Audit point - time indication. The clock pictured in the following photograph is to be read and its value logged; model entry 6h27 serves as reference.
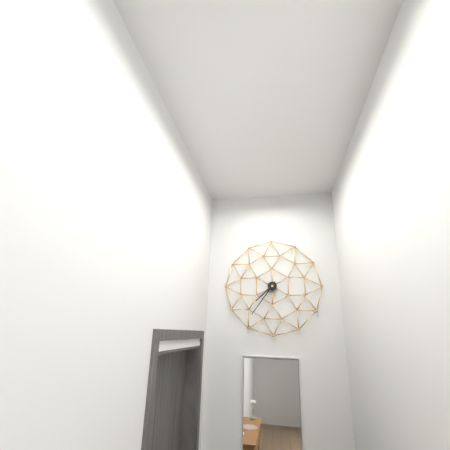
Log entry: 7h36
